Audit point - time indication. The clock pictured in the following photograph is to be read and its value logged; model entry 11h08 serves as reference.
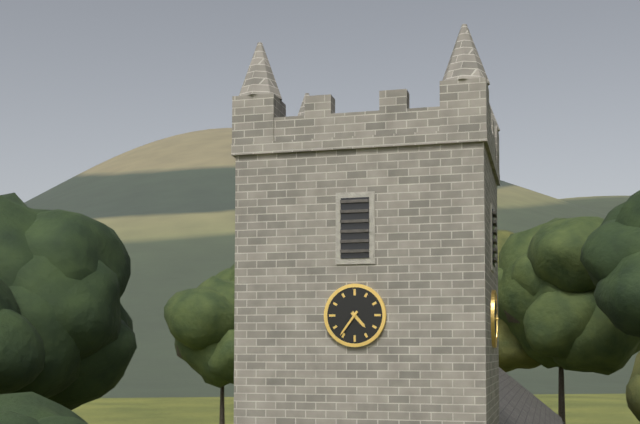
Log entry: 4h36
